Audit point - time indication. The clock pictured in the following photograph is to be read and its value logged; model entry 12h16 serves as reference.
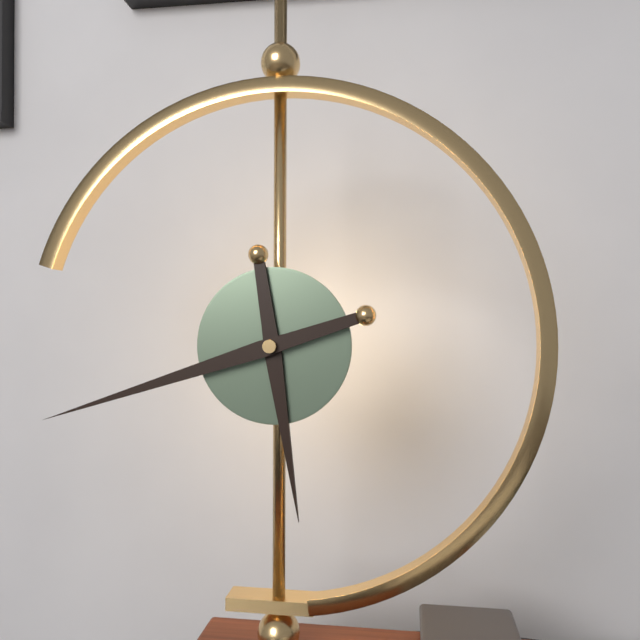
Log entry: 5h42
